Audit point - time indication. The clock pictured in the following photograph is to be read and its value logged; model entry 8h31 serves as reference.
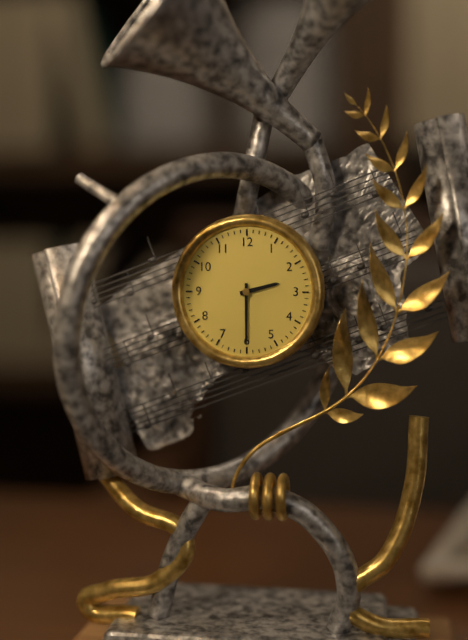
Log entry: 2h30
